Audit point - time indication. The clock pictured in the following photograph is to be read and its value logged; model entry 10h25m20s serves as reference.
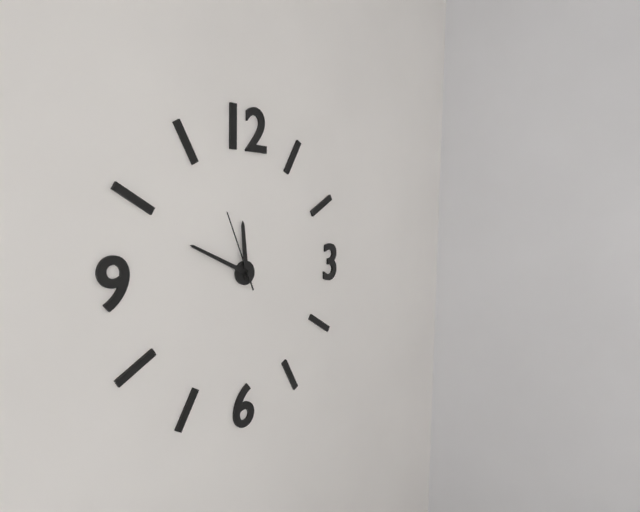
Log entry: 11h49m56s
